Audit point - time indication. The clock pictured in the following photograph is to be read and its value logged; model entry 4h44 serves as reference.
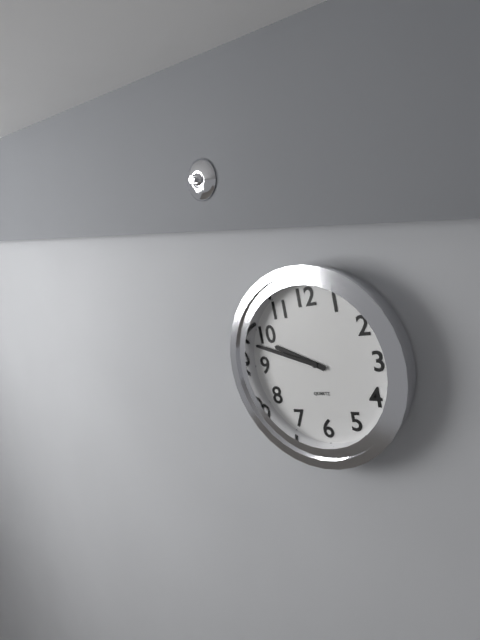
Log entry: 9h48
